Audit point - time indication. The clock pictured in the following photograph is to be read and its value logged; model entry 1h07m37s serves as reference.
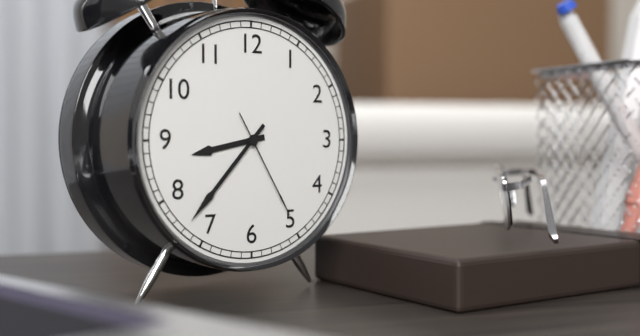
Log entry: 8h37m25s
